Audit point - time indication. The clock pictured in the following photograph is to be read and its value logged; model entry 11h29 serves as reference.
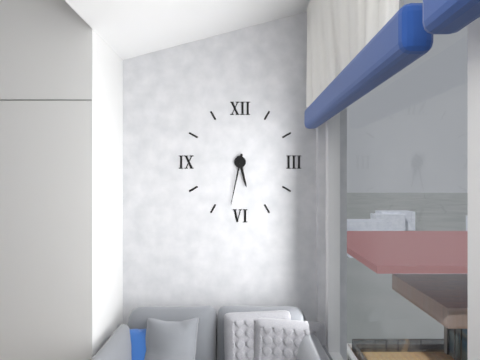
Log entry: 5h32
